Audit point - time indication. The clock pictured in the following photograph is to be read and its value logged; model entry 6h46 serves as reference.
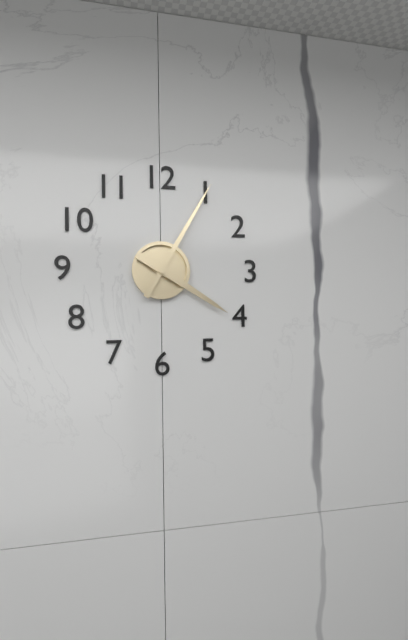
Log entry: 4h05
